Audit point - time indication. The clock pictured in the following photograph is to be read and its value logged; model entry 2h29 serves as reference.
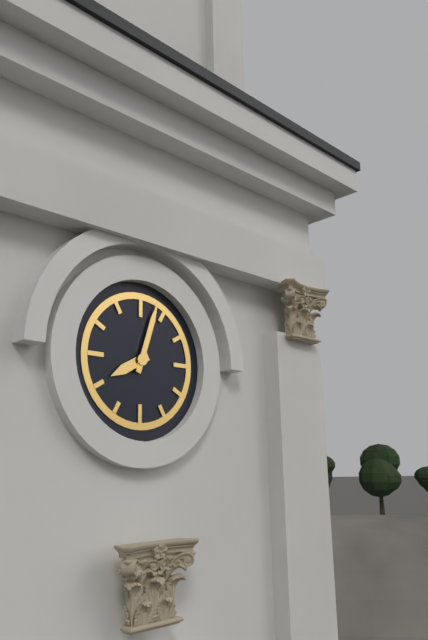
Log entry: 8h03
